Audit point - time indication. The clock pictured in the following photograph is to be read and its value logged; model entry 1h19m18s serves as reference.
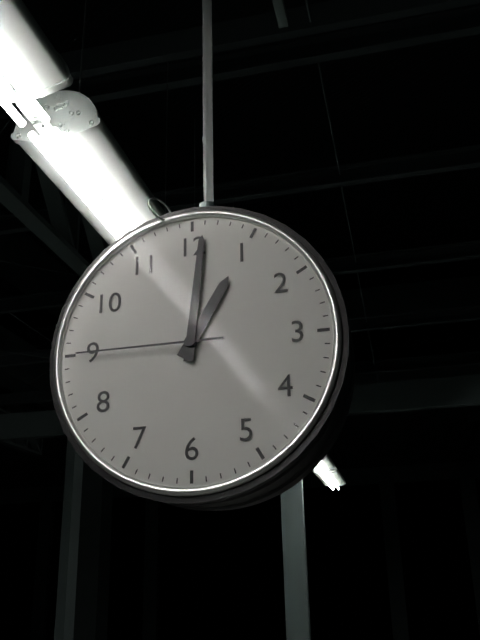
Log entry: 1h01m45s
